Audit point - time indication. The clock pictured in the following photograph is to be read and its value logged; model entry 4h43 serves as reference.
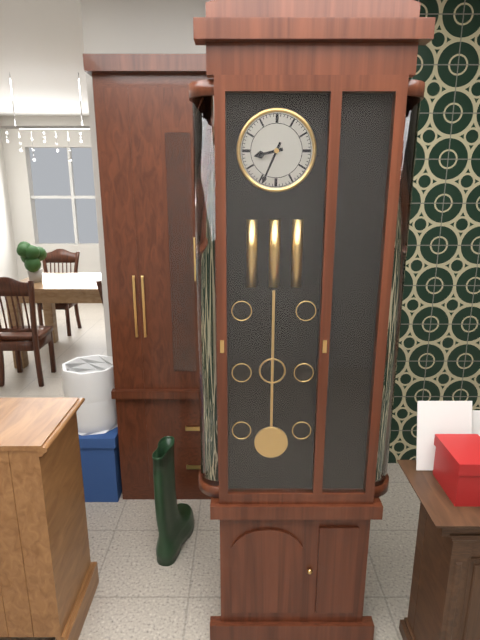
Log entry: 8h34
